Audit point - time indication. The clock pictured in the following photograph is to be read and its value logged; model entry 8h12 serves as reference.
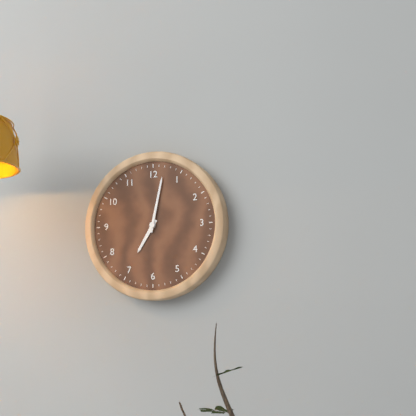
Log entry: 7h02
